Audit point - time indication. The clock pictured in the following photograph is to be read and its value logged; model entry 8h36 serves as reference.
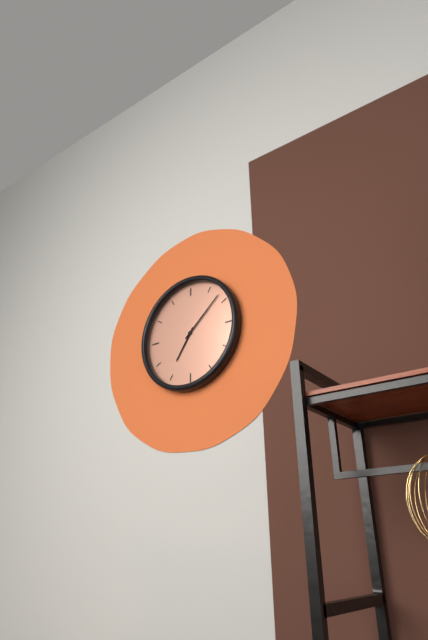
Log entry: 7h08
